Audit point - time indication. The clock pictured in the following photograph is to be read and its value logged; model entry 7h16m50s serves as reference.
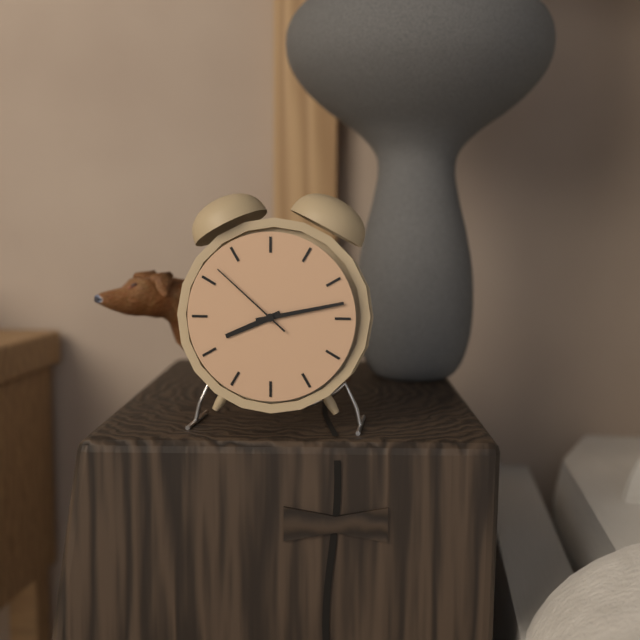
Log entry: 8h13m52s
